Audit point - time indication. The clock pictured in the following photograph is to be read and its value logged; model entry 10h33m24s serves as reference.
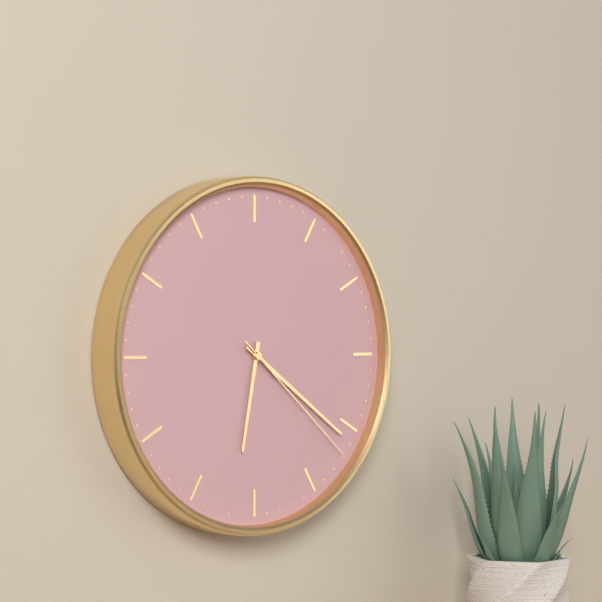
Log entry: 6h21m22s
